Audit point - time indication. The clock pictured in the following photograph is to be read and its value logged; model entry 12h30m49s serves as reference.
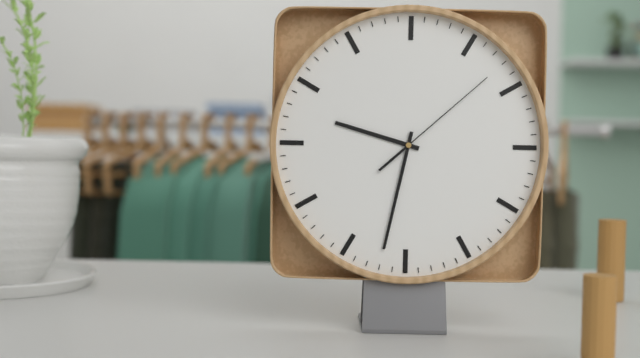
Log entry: 9h32m08s
